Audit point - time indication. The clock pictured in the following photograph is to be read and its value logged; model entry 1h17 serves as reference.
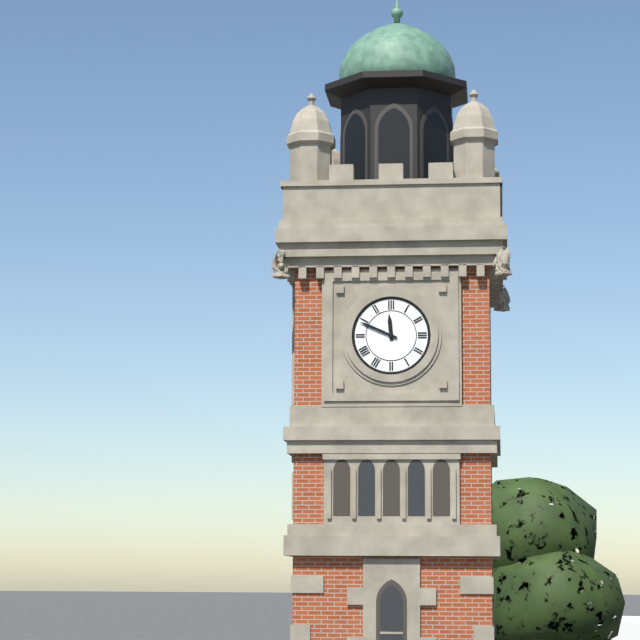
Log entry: 11h49
